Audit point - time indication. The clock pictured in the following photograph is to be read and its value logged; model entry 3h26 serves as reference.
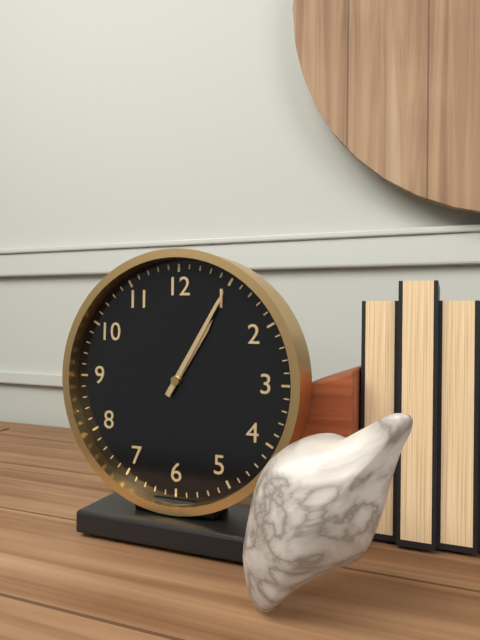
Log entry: 1h05
